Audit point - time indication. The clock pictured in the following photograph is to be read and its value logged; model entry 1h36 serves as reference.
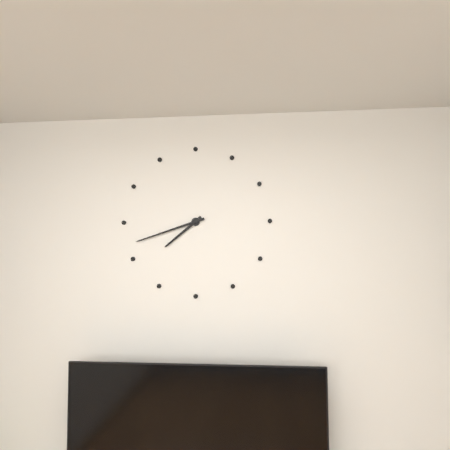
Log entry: 7h42
